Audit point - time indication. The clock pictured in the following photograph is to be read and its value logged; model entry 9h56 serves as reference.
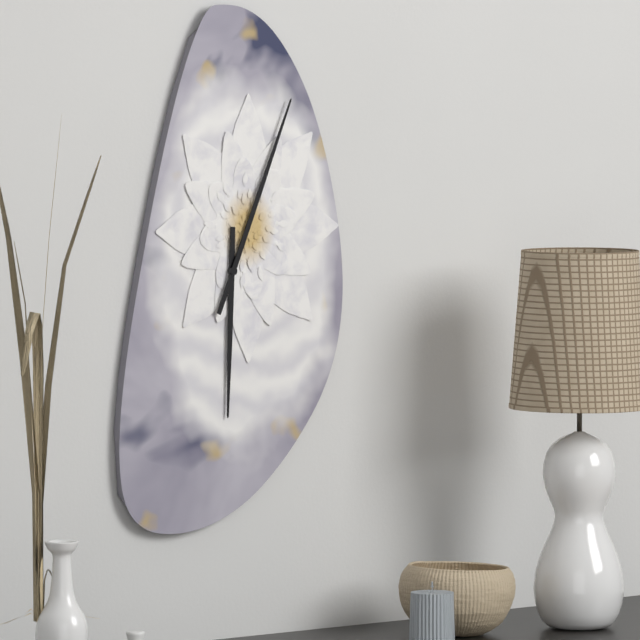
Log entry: 6h04
